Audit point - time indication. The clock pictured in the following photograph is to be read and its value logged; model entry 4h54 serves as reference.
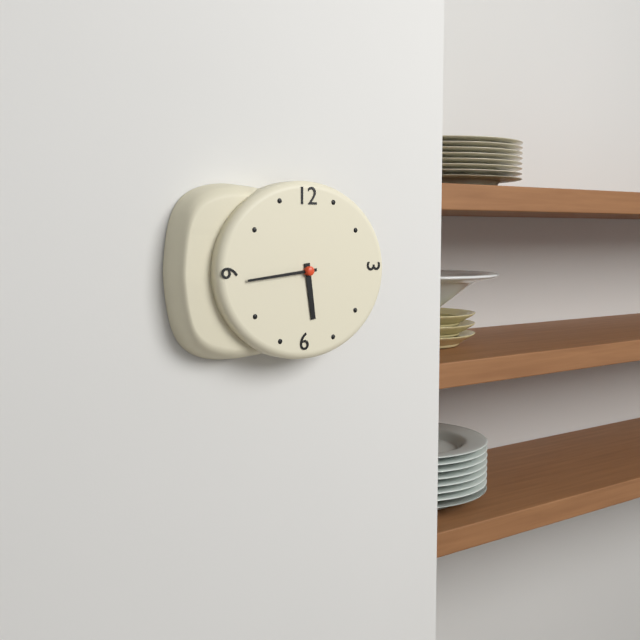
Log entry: 5h44
